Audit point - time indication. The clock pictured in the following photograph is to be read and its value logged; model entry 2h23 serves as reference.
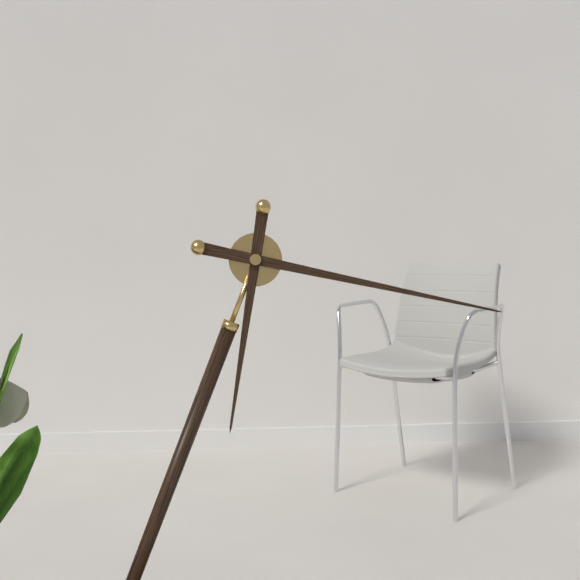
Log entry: 6h17
